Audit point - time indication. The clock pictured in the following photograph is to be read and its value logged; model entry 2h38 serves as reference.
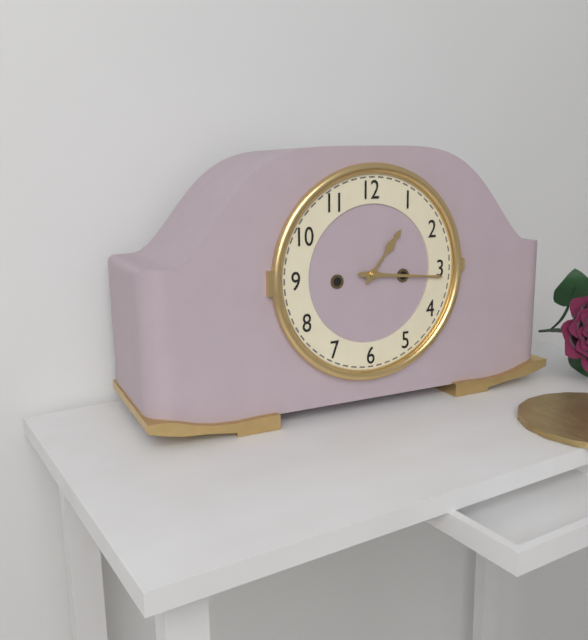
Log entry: 1h16
